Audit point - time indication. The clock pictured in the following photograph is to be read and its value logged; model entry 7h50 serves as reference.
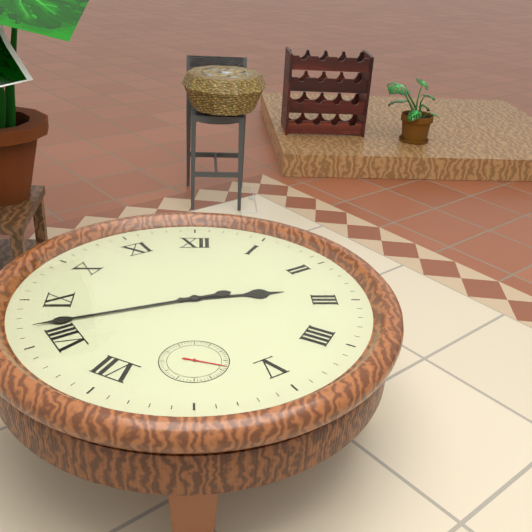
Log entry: 2h42
